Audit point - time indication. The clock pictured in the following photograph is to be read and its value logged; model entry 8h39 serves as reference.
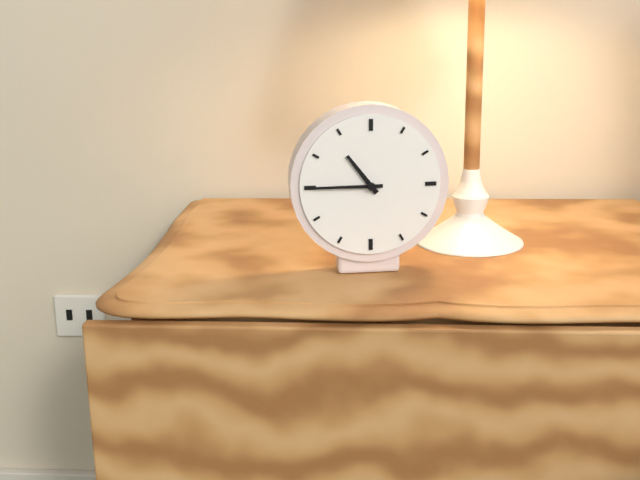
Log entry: 10h45
